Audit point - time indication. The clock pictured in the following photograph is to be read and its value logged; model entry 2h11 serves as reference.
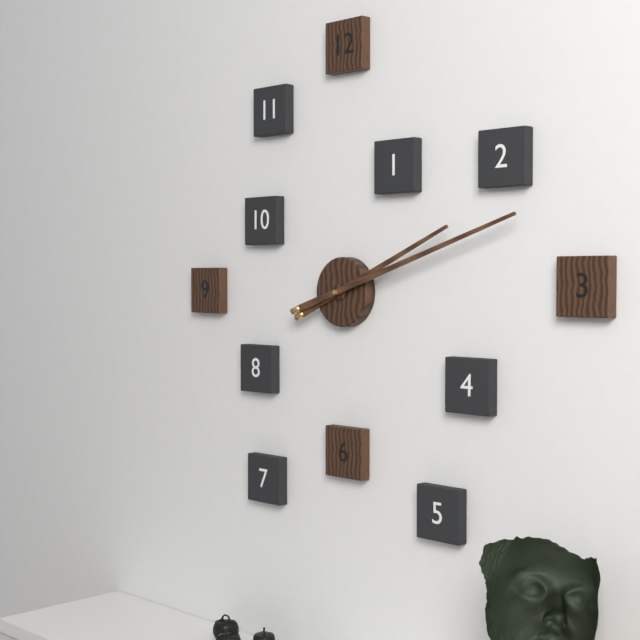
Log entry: 2h12
